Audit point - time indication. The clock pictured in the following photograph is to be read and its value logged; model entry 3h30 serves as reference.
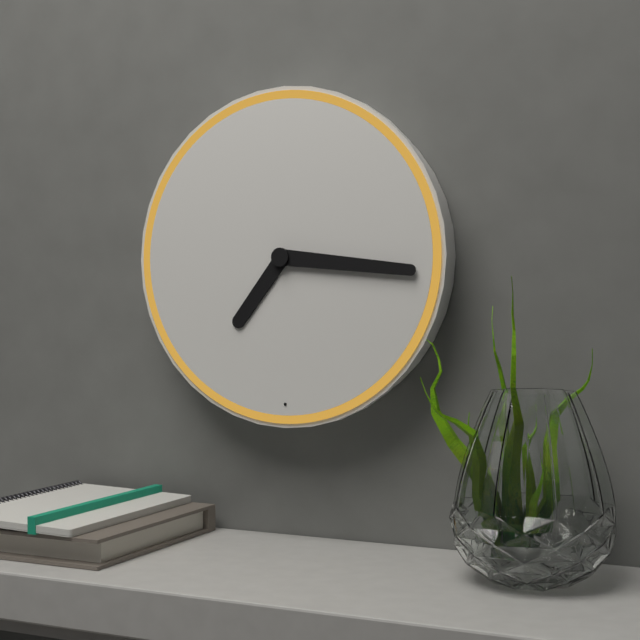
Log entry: 7h16
